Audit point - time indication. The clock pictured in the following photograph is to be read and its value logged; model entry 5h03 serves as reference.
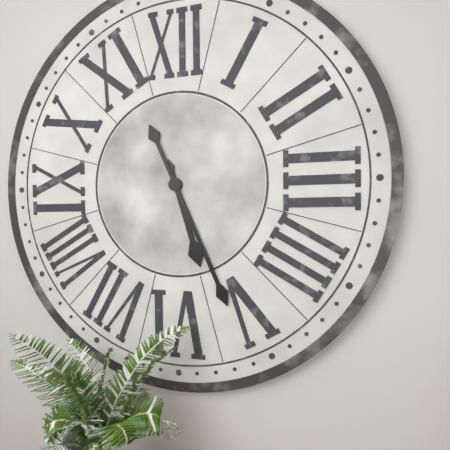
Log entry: 5h26
